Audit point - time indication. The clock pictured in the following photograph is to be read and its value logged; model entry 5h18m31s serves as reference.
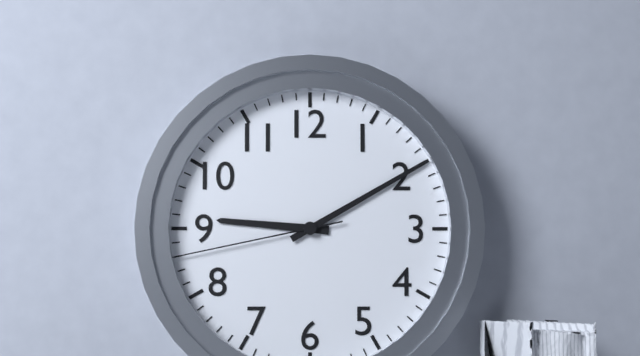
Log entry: 9h10m43s
